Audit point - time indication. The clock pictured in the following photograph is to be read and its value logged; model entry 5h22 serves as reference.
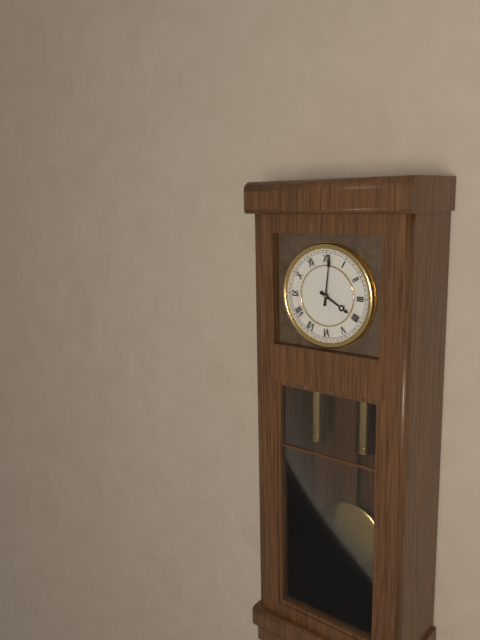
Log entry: 4h01
